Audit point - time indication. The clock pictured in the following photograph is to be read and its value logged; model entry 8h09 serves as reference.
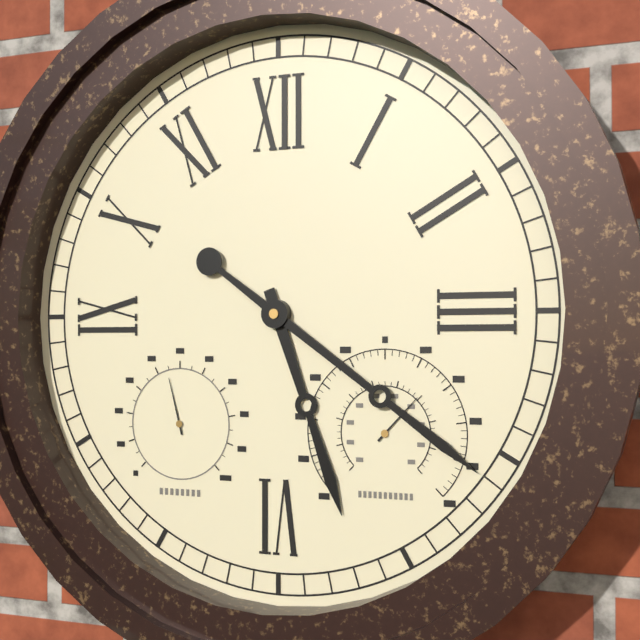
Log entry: 5h21
